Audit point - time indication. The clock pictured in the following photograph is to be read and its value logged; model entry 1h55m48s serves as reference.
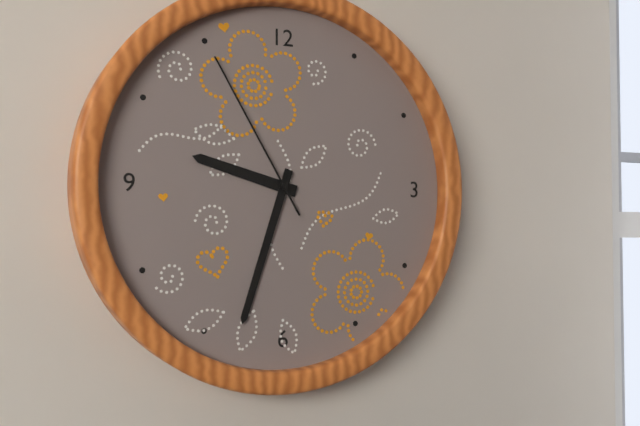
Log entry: 9h33m55s
